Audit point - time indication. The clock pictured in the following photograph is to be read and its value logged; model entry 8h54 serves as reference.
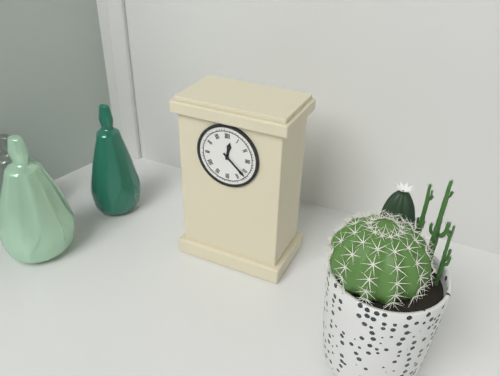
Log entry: 12h22
